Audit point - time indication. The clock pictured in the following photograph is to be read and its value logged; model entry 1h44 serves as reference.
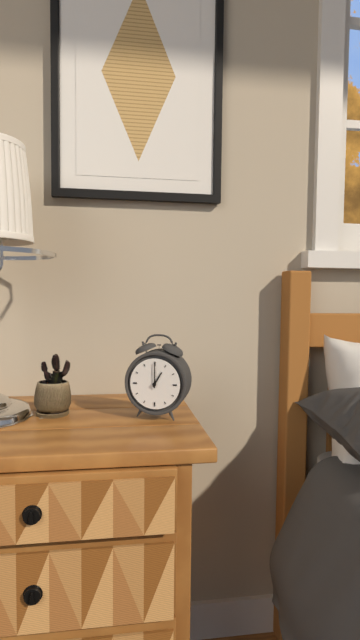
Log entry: 1h00
